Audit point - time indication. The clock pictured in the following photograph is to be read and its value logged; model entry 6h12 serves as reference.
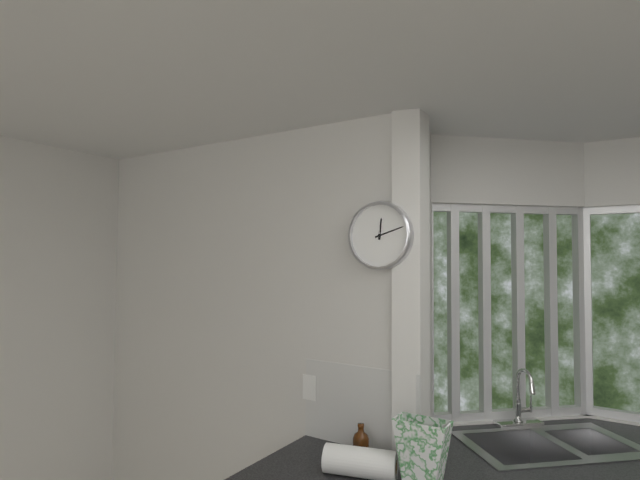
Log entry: 12h12
